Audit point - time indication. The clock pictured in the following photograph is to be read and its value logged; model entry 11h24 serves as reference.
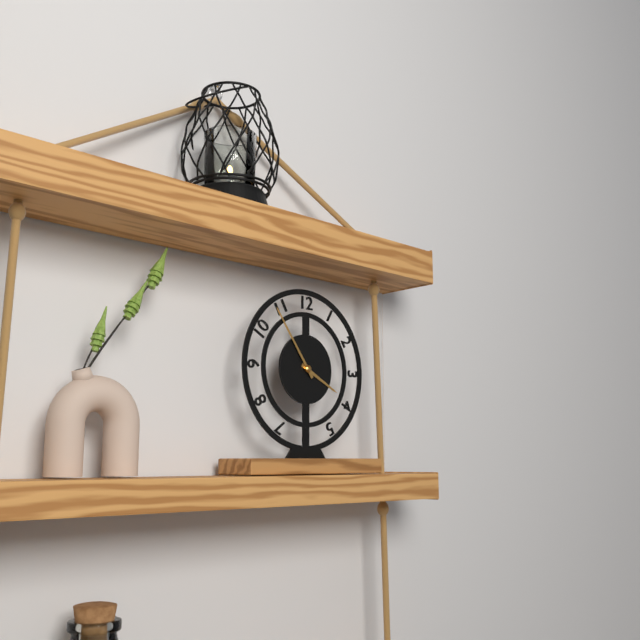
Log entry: 3h54
